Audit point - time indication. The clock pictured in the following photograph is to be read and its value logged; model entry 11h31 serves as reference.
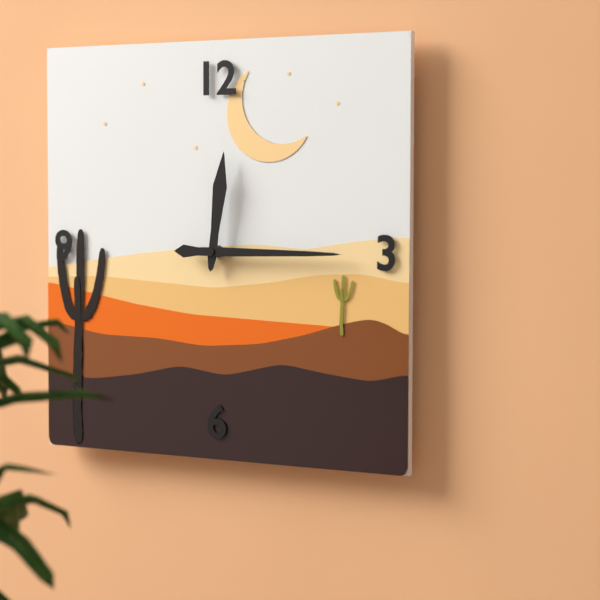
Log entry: 12h15
